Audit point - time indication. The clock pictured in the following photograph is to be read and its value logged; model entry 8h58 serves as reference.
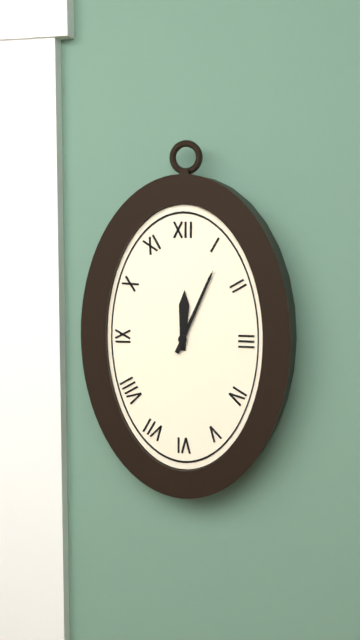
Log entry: 12h04
